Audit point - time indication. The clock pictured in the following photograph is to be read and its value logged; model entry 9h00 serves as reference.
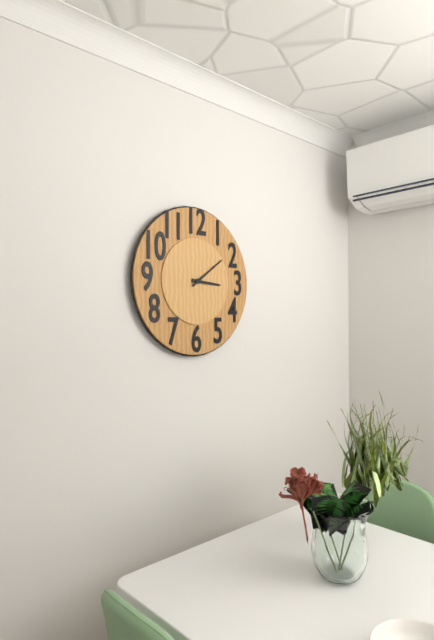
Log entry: 3h09
